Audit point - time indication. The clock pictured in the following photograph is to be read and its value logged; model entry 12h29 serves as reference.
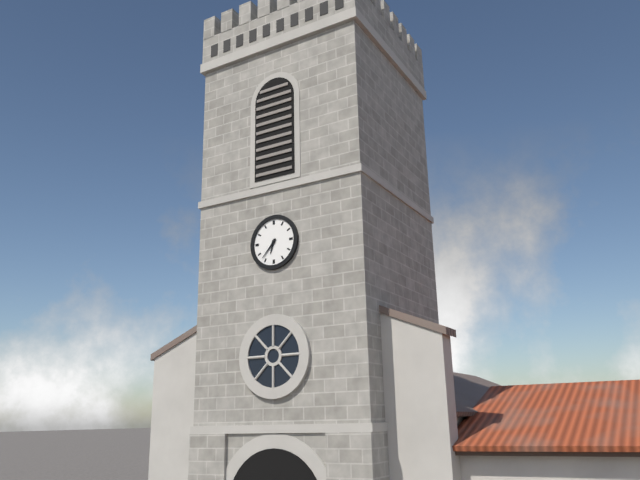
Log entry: 6h37
